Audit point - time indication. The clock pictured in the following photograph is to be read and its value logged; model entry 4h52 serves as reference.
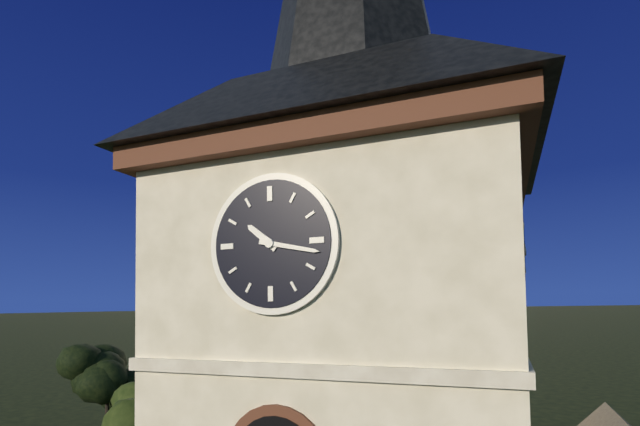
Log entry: 10h17
